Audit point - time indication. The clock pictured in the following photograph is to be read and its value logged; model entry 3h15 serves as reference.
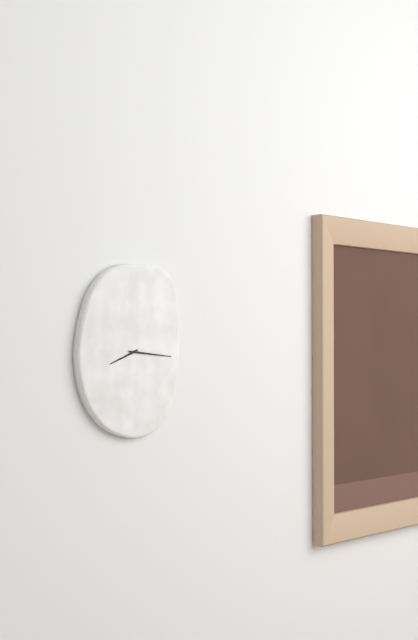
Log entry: 8h16
